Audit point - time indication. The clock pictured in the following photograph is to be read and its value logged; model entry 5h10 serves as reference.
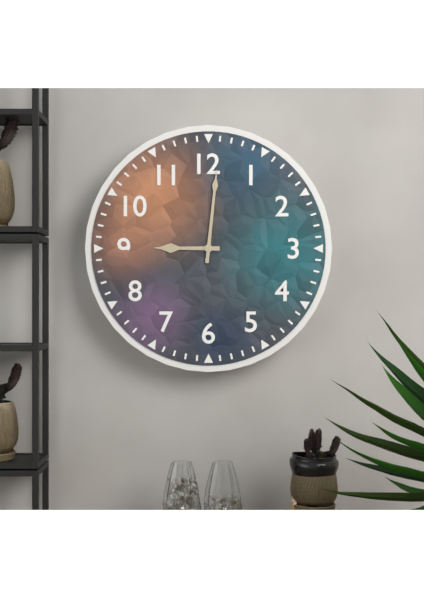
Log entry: 9h01
